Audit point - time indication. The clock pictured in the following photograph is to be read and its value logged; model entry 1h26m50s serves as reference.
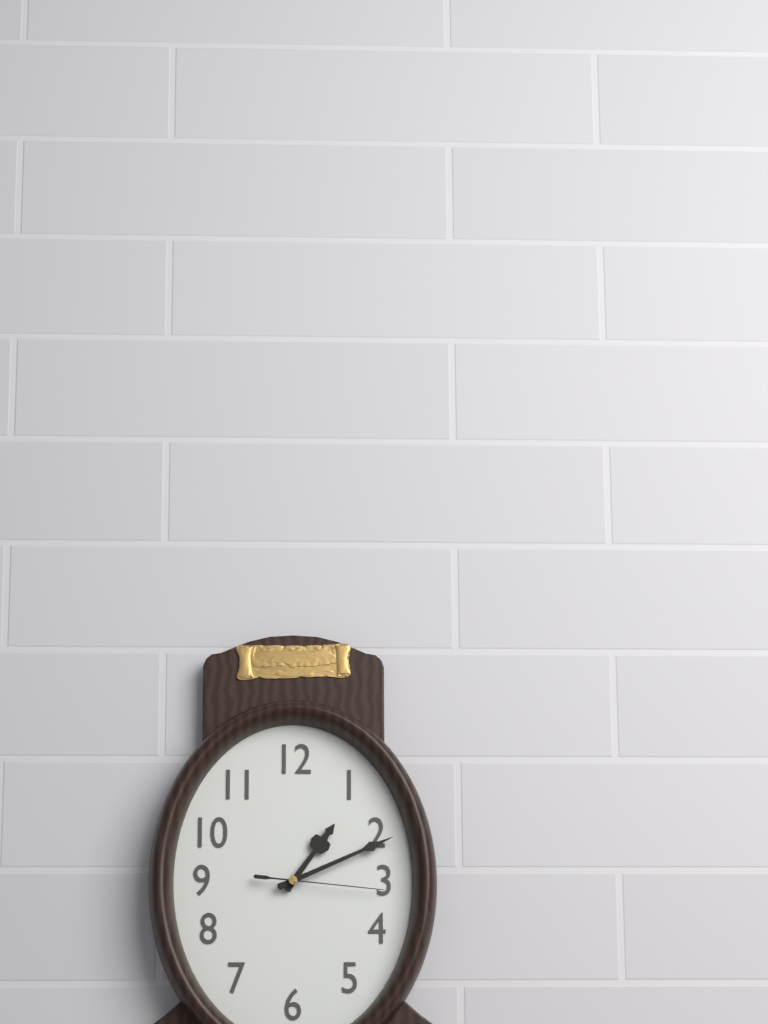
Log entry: 1h11m16s
